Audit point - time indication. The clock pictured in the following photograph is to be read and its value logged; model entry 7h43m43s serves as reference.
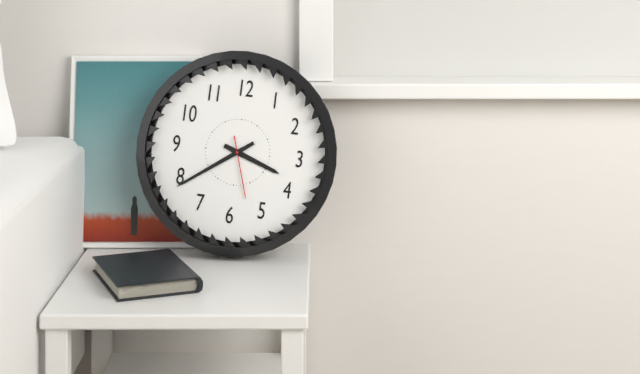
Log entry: 3h39m27s
